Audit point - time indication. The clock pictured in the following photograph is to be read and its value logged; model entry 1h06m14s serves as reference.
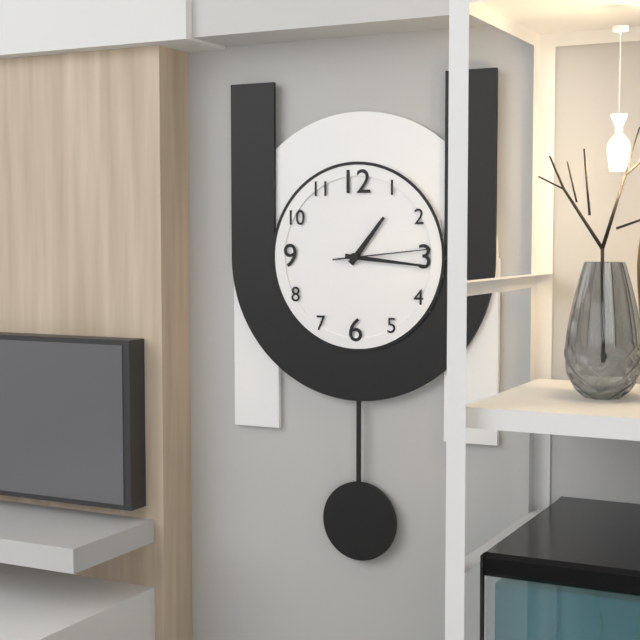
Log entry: 1h16m14s
